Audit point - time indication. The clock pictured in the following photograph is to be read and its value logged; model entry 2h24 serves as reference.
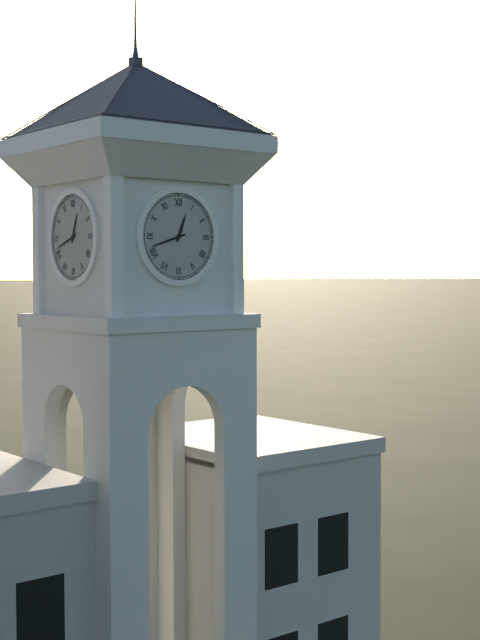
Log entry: 12h42
